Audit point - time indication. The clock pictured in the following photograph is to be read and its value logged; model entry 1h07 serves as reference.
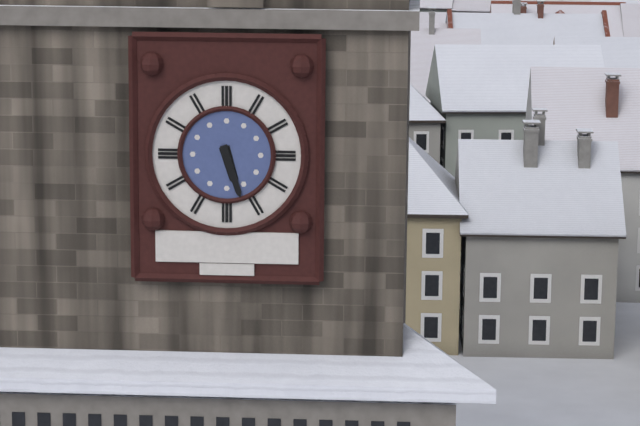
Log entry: 5h27
